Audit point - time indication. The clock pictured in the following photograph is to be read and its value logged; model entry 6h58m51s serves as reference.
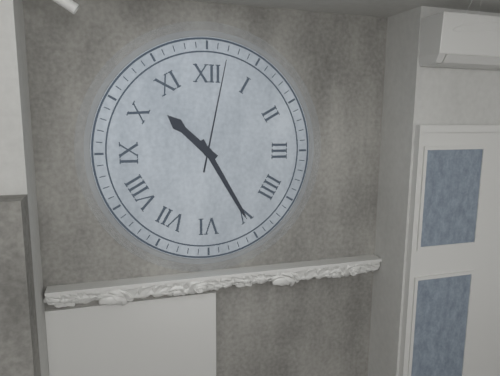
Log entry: 10h25m02s
